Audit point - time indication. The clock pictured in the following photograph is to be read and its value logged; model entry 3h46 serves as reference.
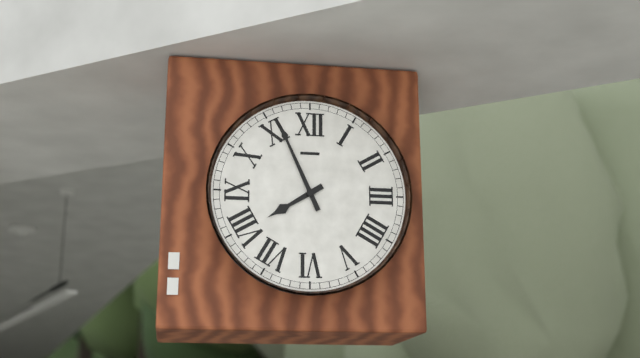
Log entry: 7h56
